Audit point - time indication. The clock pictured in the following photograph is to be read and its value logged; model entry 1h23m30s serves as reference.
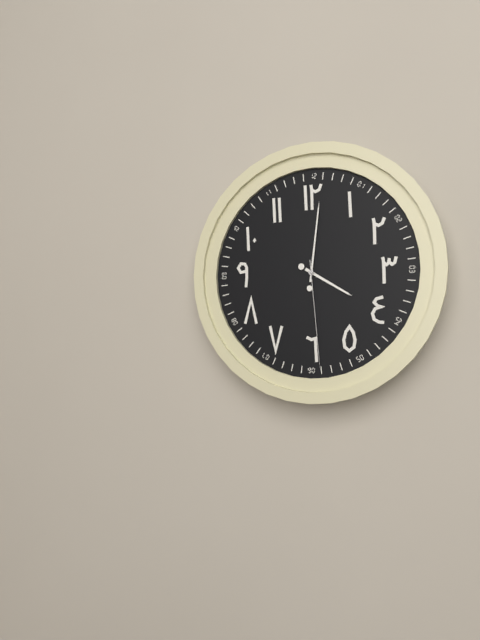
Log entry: 4h01m29s
